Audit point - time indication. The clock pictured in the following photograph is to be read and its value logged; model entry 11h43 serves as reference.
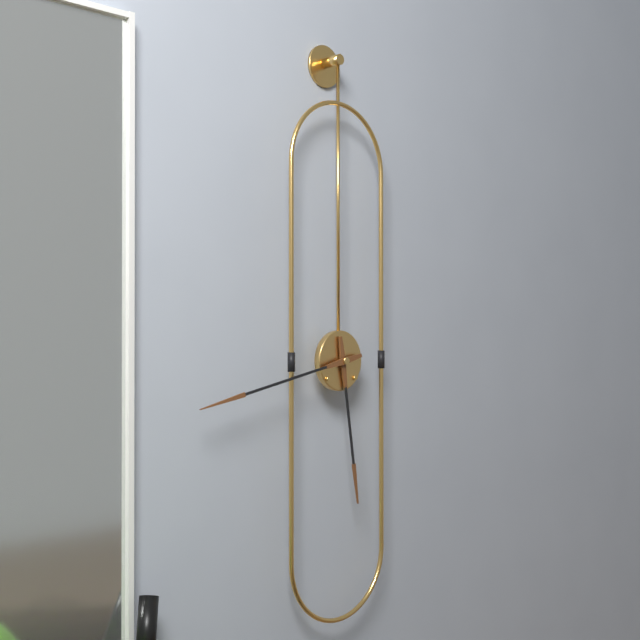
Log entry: 5h43
